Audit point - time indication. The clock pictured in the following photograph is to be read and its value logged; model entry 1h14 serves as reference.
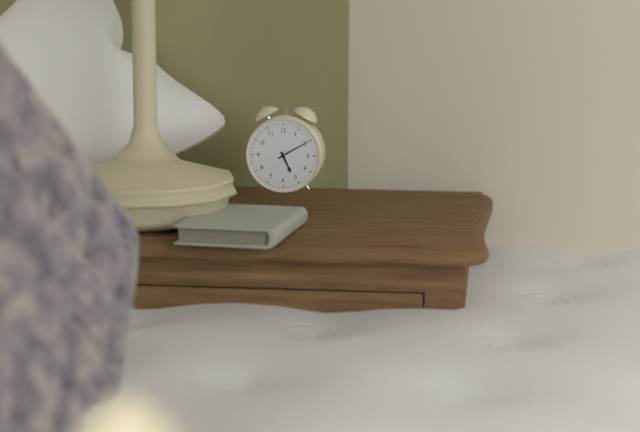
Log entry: 5h10
